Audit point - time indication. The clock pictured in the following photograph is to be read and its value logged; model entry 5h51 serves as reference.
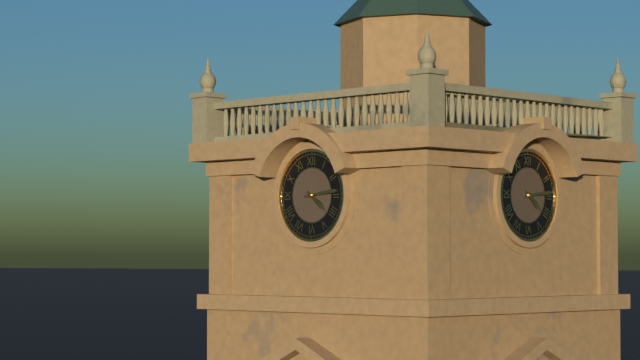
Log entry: 4h14
